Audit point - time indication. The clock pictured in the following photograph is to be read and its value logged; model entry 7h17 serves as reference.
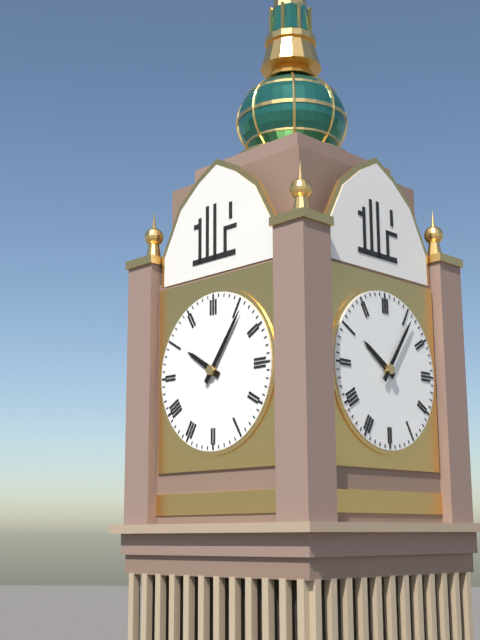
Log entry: 10h06
